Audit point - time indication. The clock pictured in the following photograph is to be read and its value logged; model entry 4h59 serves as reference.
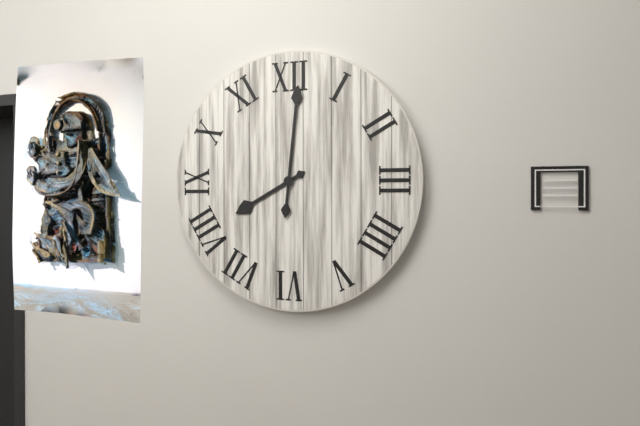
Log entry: 8h01
